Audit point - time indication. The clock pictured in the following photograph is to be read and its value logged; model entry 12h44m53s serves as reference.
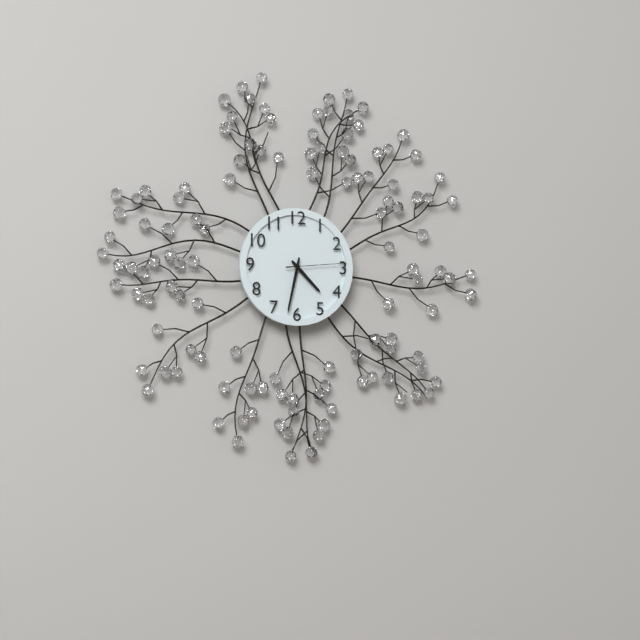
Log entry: 4h32m14s
